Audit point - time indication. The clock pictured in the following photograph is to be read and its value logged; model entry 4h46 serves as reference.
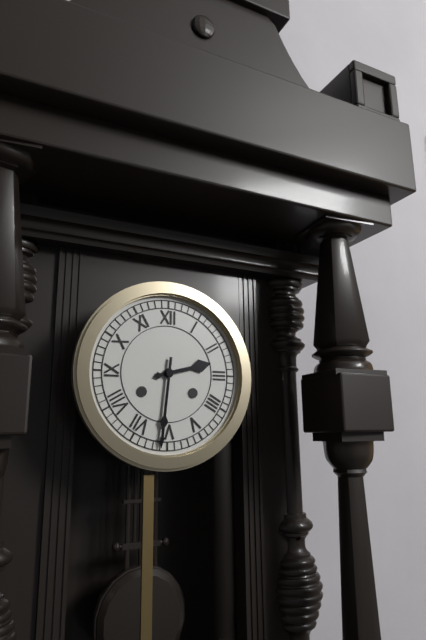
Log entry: 2h31
